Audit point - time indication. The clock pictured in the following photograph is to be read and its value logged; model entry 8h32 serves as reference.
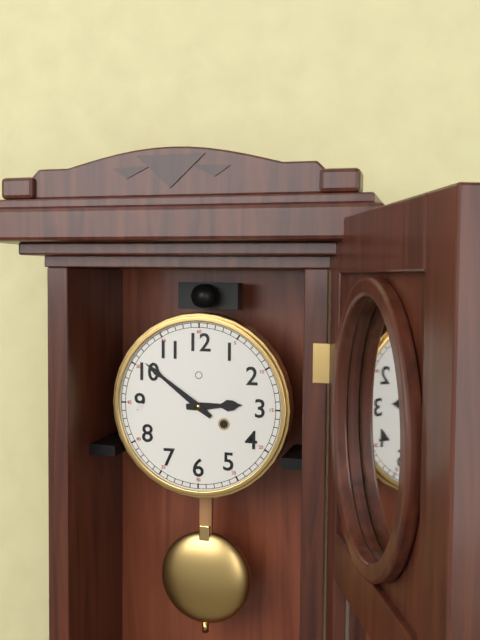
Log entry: 2h51
